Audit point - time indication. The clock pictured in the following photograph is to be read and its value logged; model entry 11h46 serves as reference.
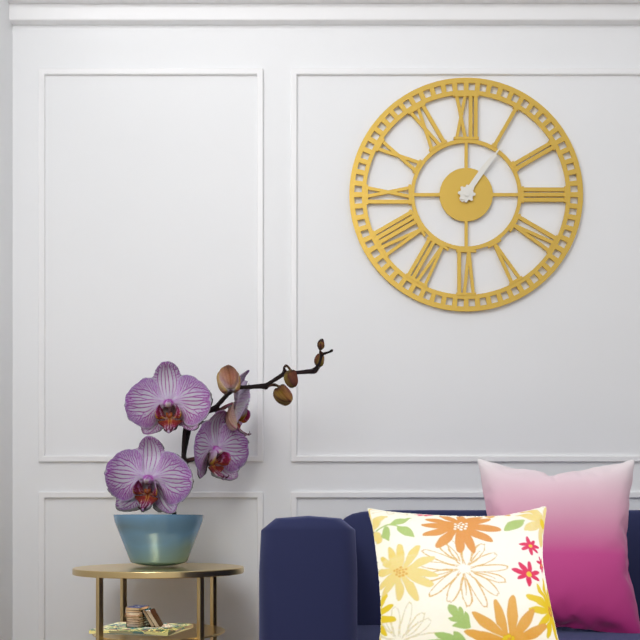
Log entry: 1h06
